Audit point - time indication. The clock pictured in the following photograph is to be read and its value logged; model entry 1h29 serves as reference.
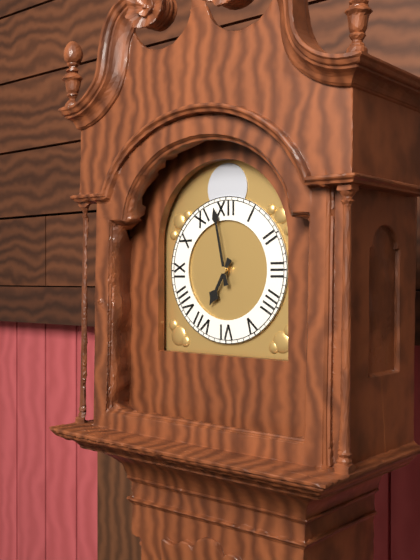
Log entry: 6h58
